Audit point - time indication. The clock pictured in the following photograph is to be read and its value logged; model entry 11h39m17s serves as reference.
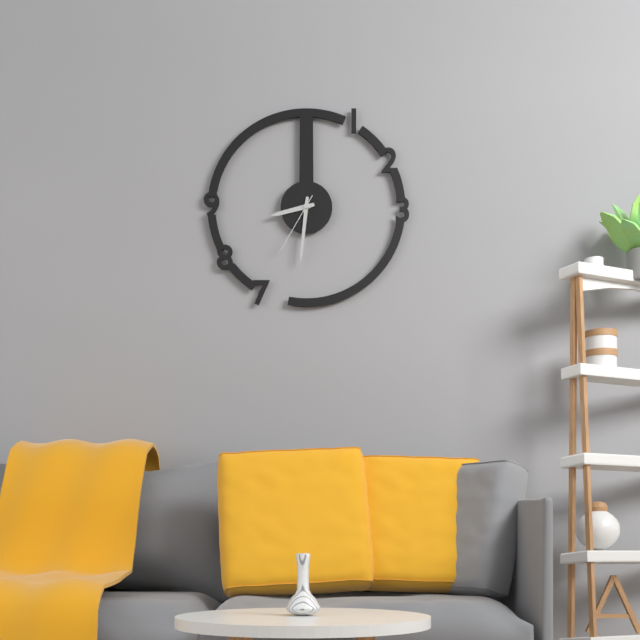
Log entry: 8h31m35s
